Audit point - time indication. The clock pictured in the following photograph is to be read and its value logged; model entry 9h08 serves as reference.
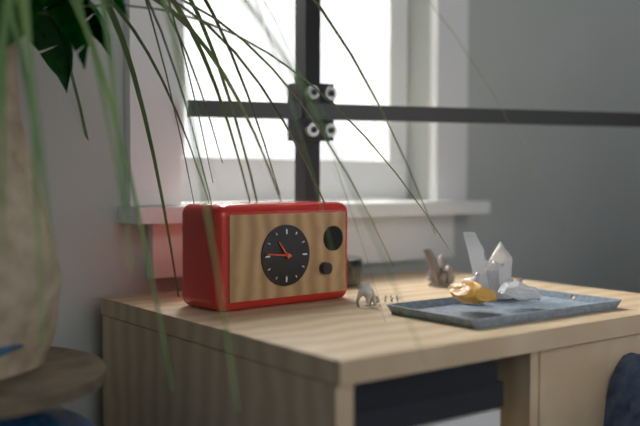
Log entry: 10h46
